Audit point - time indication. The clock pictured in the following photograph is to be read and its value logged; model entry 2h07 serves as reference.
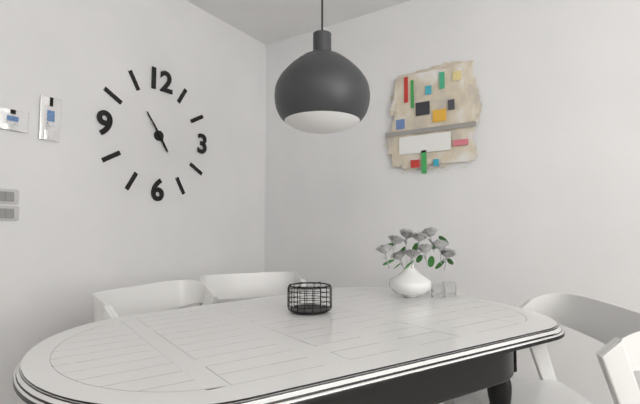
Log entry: 4h54
